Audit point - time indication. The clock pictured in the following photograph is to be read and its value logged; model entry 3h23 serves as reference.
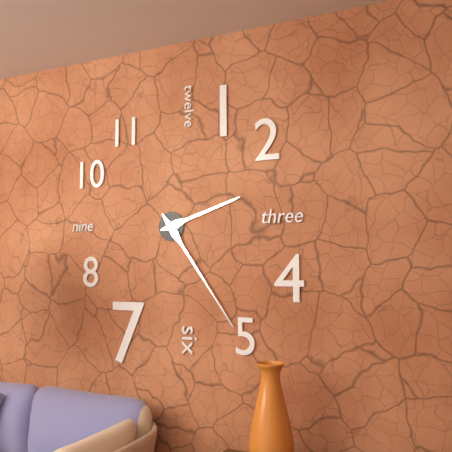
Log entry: 2h24
